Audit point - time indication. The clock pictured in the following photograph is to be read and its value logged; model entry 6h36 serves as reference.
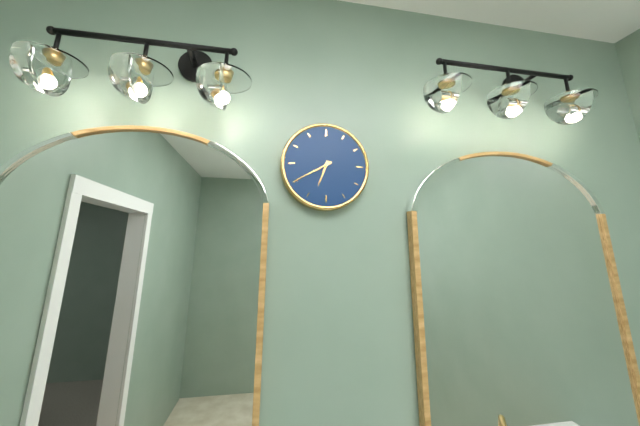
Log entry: 6h40
